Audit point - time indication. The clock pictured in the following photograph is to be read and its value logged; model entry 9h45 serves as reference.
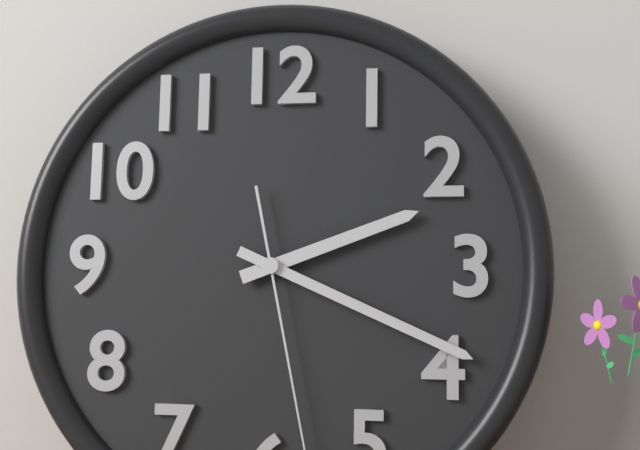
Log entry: 2h19
